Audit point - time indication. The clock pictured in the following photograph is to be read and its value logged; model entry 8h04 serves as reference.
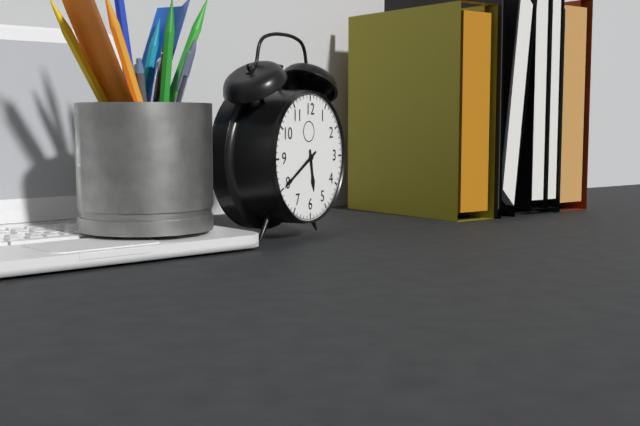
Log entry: 5h40
